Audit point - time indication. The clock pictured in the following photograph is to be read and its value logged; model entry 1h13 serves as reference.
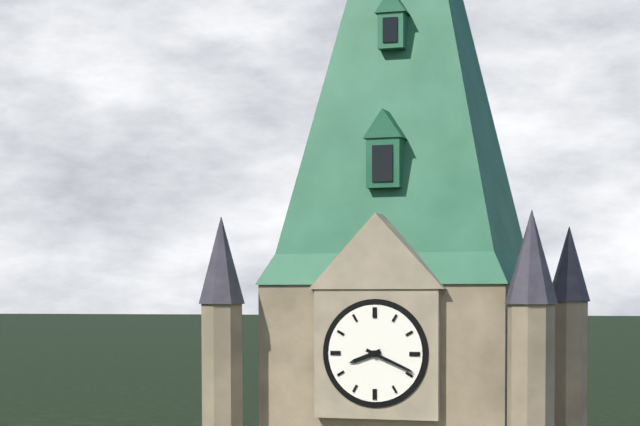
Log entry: 8h19
